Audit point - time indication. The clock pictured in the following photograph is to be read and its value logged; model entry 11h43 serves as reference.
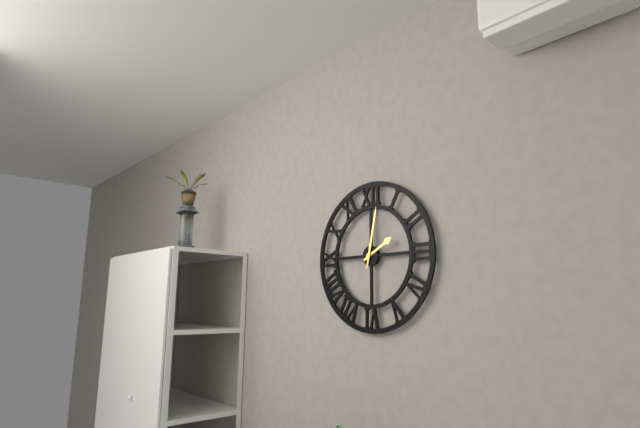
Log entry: 2h02
